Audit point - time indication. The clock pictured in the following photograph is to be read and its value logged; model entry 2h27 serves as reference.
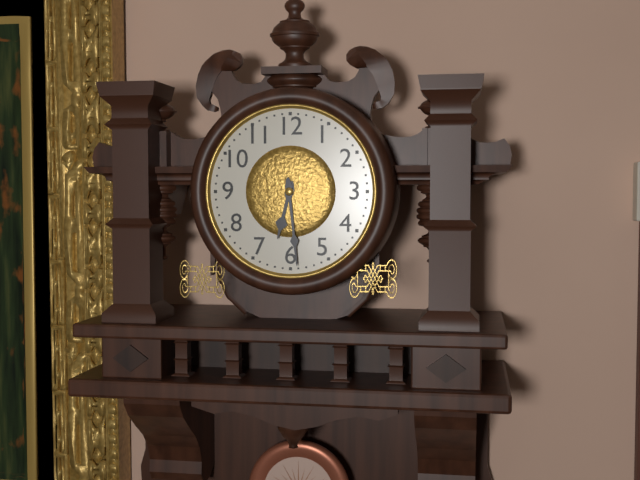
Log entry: 6h29
